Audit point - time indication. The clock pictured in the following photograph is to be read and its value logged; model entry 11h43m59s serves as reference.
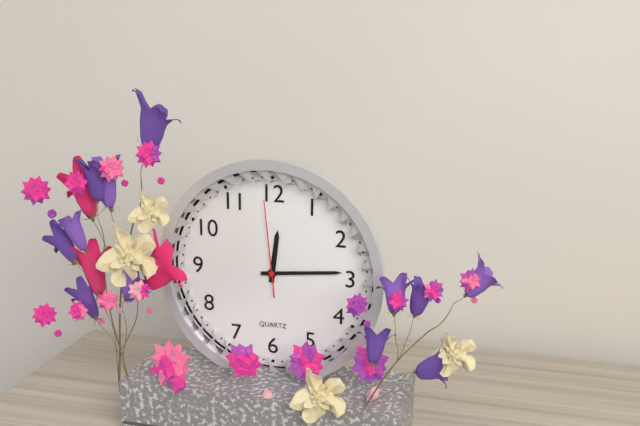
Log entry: 12h14m59s
